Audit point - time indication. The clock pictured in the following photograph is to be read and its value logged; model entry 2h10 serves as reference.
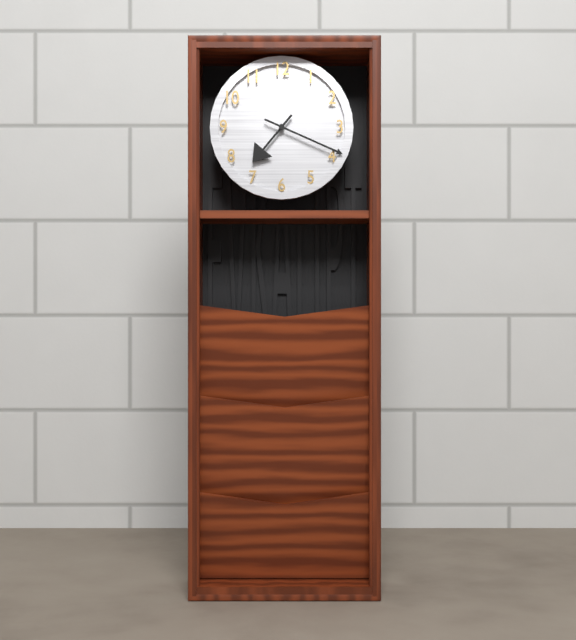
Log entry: 7h19
